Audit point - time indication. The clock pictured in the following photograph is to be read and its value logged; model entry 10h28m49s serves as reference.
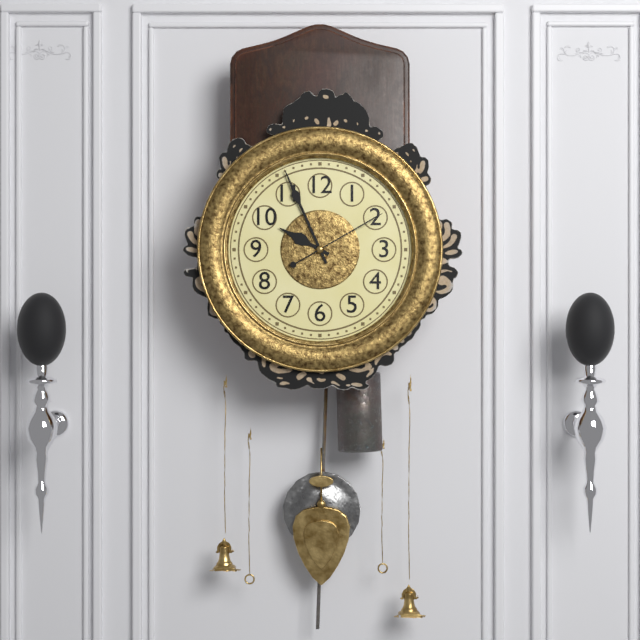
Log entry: 9h56m10s
